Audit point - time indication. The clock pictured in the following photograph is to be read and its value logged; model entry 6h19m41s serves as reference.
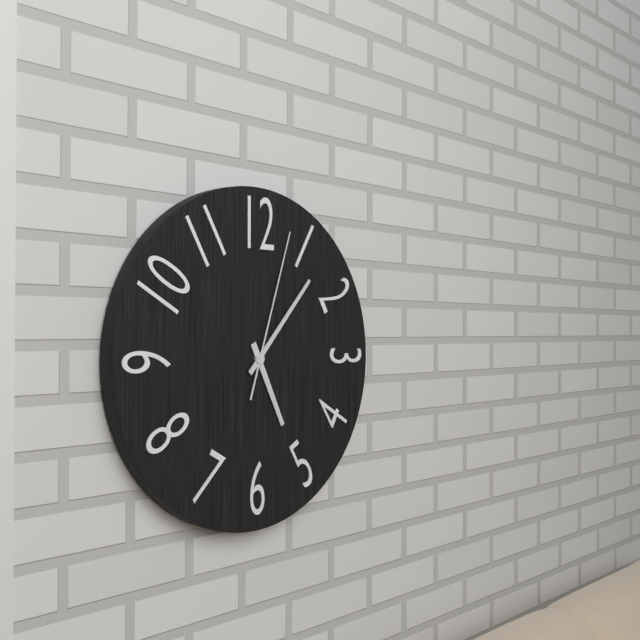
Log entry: 5h07m03s
